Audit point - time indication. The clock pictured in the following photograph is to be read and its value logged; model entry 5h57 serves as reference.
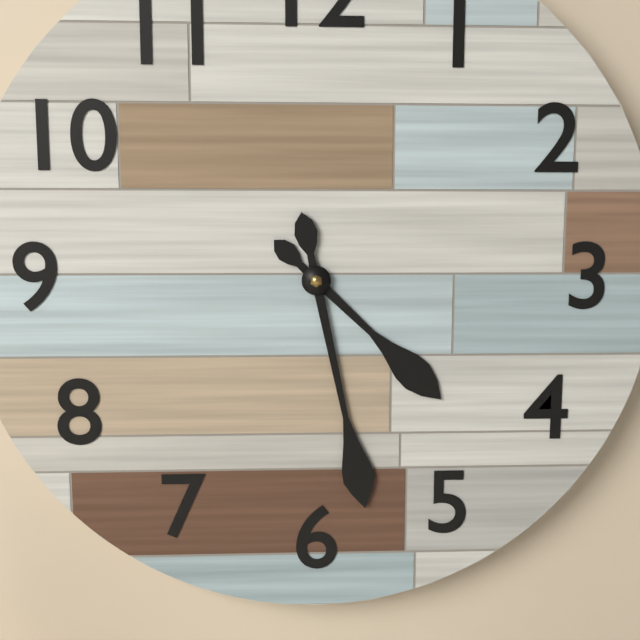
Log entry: 4h28
